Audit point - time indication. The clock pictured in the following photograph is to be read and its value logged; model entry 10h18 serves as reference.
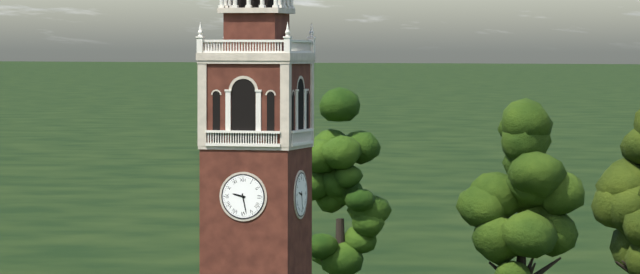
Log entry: 9h28
